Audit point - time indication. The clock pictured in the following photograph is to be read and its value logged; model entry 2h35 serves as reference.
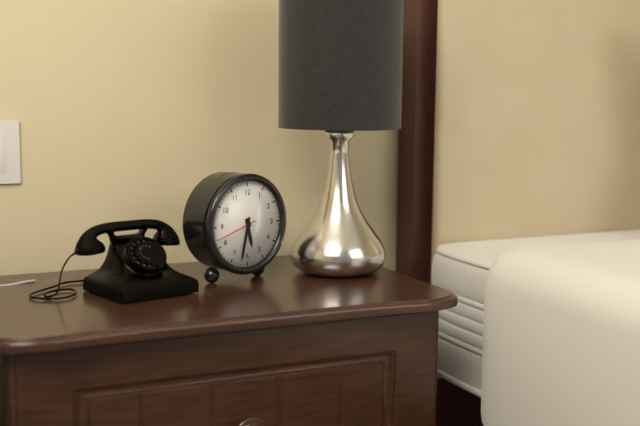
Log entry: 5h32
